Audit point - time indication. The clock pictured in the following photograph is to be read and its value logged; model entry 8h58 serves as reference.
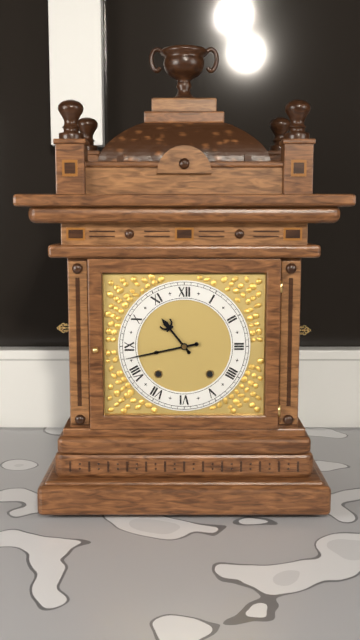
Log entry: 10h43
